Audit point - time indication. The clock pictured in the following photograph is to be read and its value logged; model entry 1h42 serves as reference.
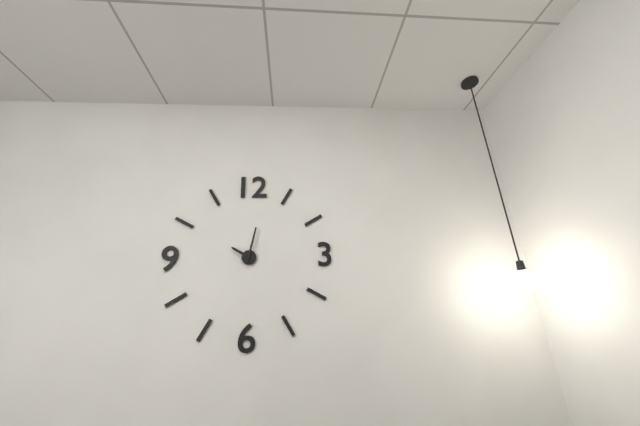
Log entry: 10h02
